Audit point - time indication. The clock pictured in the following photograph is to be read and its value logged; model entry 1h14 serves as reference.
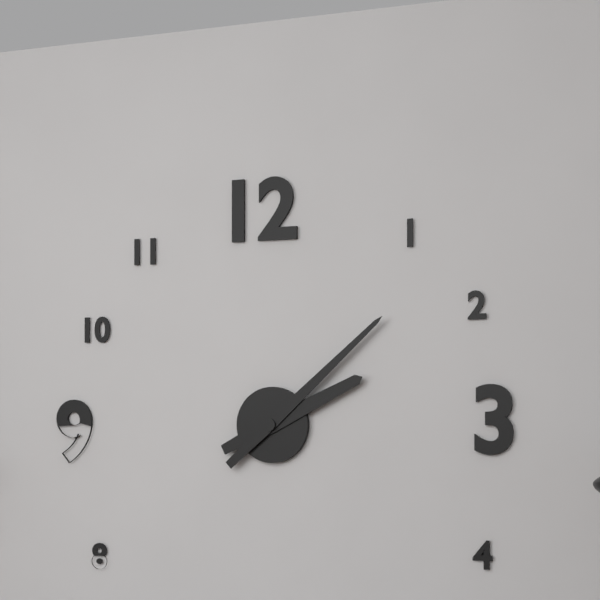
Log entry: 2h08
